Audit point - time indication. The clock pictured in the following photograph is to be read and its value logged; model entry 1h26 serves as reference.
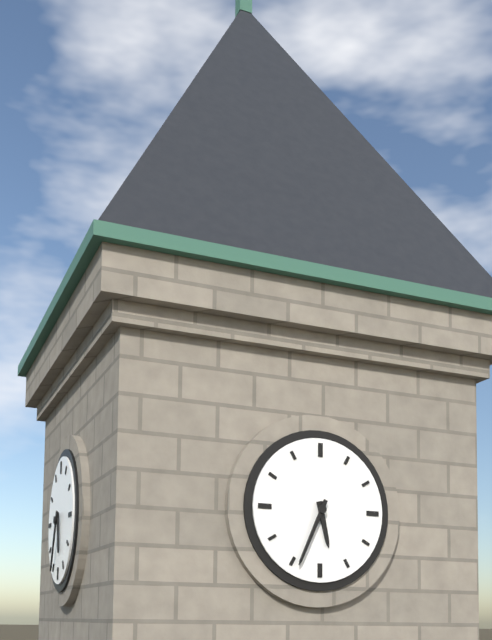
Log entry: 5h34
